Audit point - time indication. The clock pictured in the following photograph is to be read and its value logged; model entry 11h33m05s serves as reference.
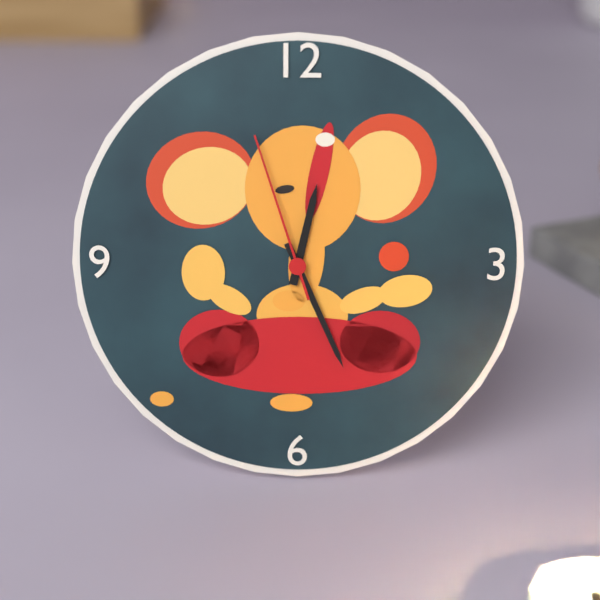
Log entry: 12h26m57s
